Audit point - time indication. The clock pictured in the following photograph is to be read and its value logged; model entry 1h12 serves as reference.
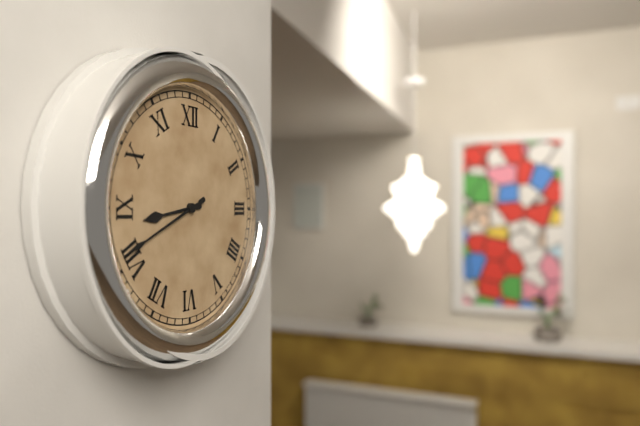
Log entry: 8h41
